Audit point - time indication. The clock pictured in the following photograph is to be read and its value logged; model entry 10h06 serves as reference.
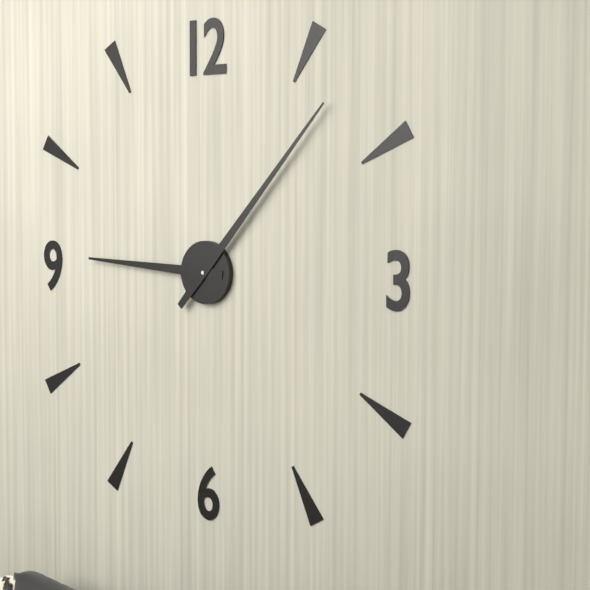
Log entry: 9h07
